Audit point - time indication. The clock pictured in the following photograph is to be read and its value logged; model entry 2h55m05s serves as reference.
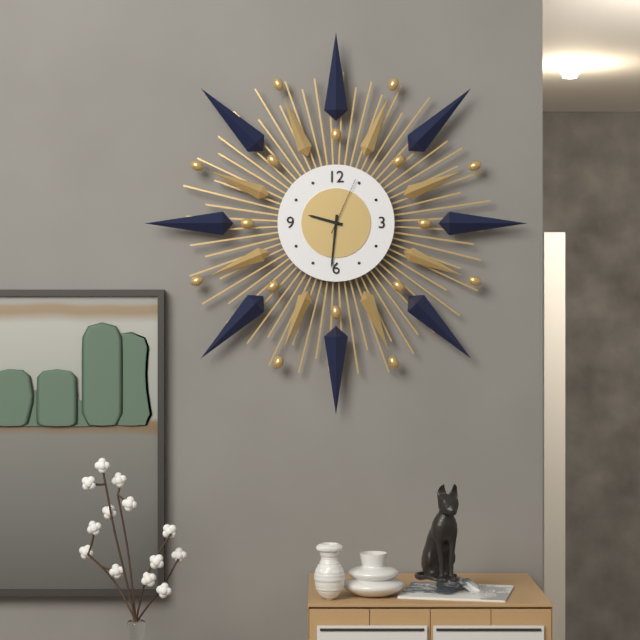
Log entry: 9h31m04s
